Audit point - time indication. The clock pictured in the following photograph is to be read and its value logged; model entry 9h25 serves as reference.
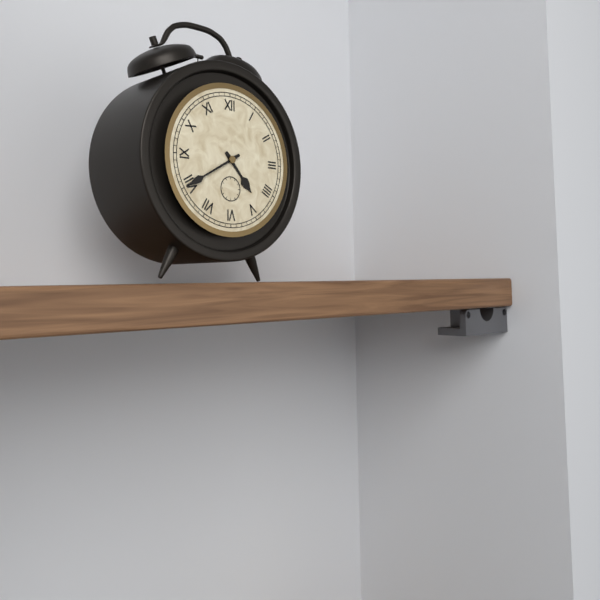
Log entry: 4h40
